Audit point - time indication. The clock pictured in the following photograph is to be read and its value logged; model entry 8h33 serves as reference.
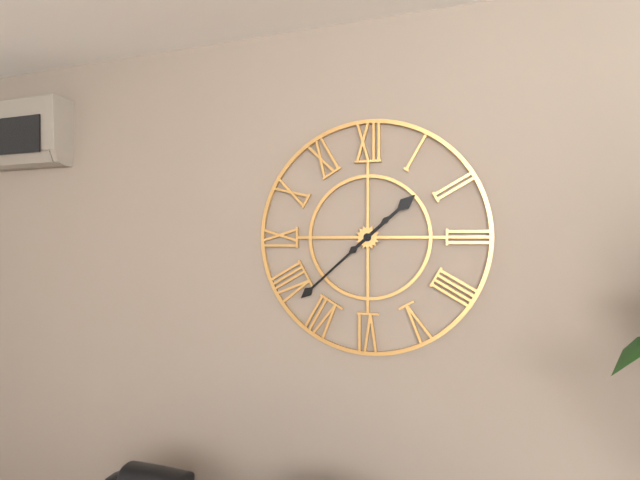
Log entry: 1h38
